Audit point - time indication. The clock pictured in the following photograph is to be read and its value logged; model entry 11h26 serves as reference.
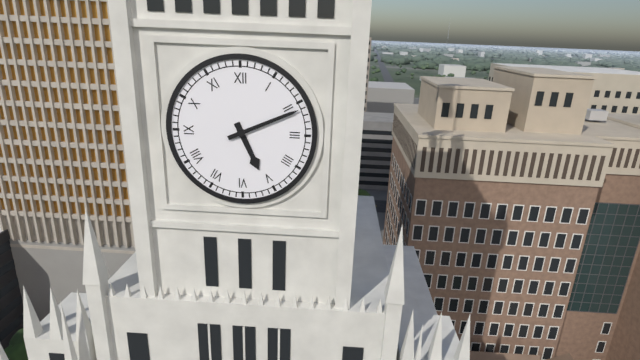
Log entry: 5h11
